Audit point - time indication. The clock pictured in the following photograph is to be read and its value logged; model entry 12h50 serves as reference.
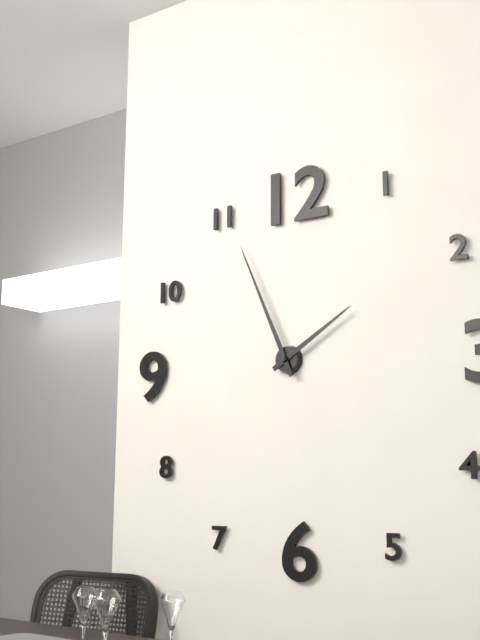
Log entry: 1h56
